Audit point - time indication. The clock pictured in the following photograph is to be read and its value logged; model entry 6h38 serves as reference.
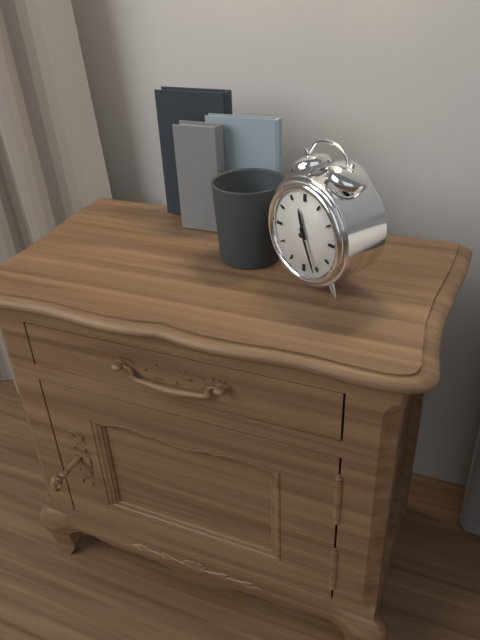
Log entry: 11h26
